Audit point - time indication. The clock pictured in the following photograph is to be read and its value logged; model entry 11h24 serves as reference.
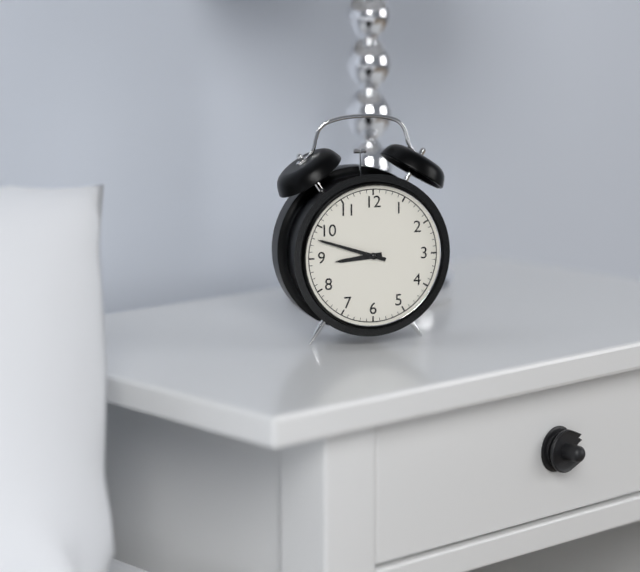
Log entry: 8h48
